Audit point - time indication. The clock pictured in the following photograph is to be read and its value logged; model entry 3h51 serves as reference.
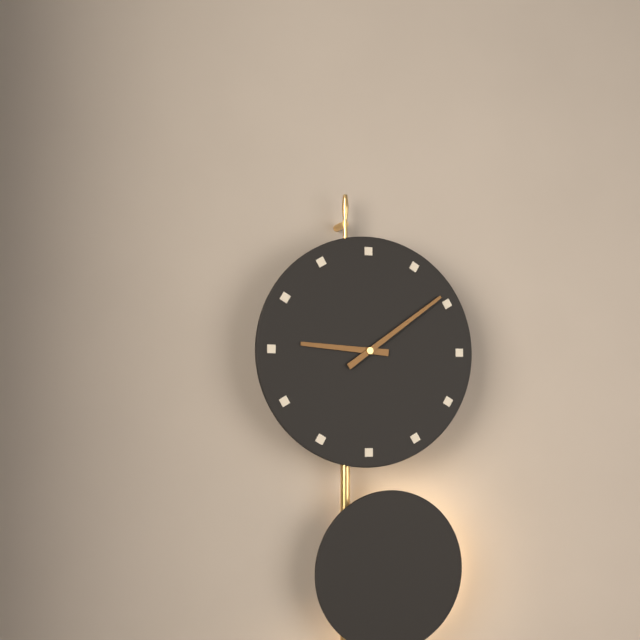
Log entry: 9h09
